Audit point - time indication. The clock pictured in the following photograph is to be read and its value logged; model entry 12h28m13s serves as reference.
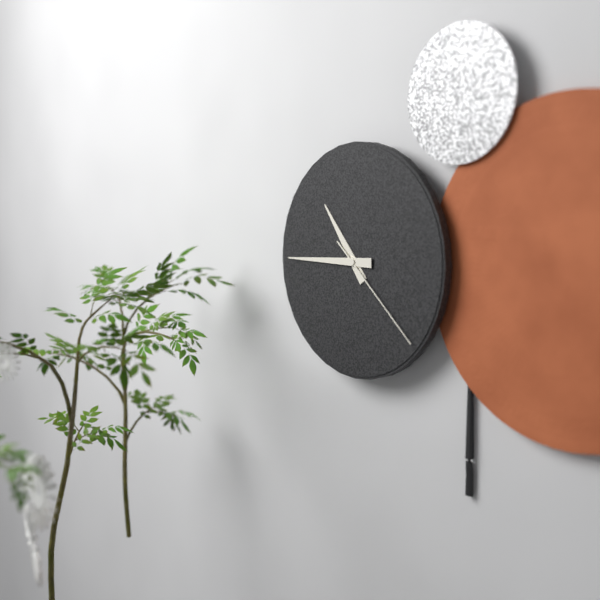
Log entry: 10h45m22s
